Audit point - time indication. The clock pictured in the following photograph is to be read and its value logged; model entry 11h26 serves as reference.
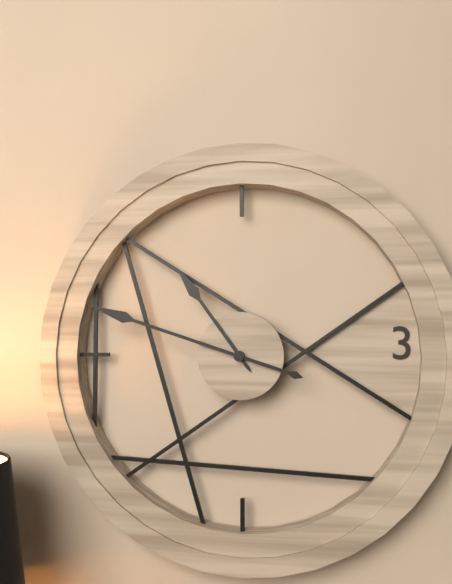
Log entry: 10h48
